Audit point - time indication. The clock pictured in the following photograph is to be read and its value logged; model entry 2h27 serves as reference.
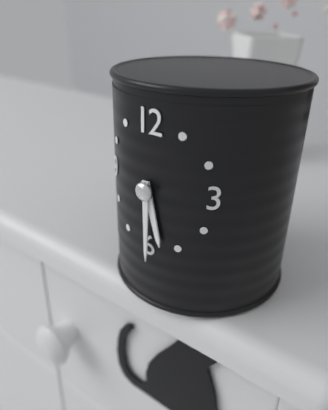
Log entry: 5h30
